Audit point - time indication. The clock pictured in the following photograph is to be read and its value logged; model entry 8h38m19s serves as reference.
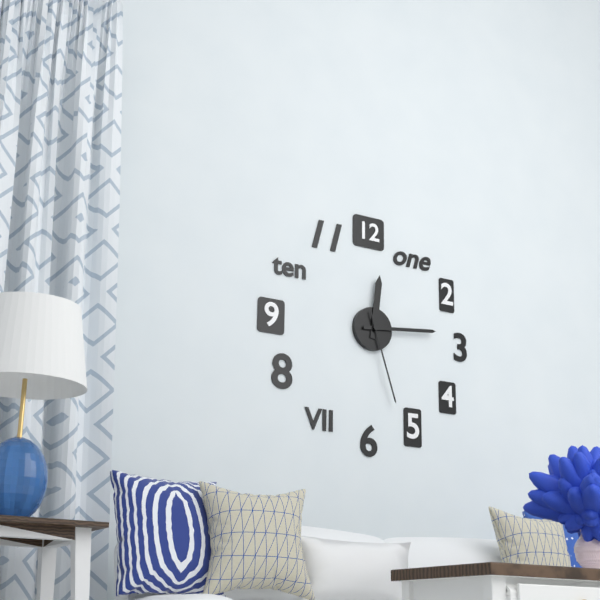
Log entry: 12h14m27s
